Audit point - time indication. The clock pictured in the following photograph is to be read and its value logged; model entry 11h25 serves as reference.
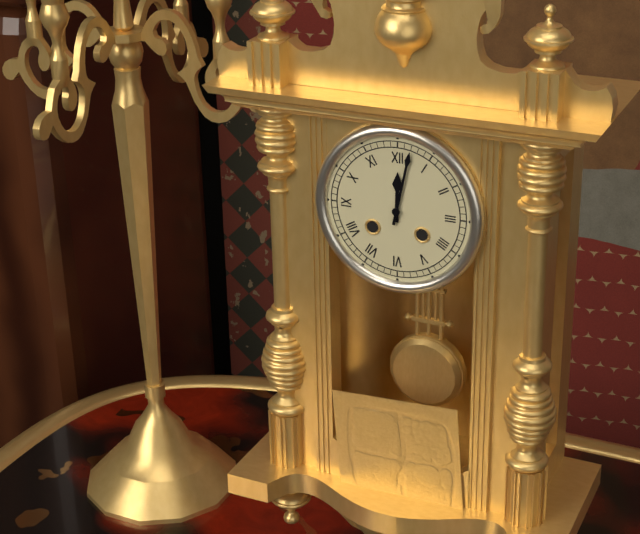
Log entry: 12h02
